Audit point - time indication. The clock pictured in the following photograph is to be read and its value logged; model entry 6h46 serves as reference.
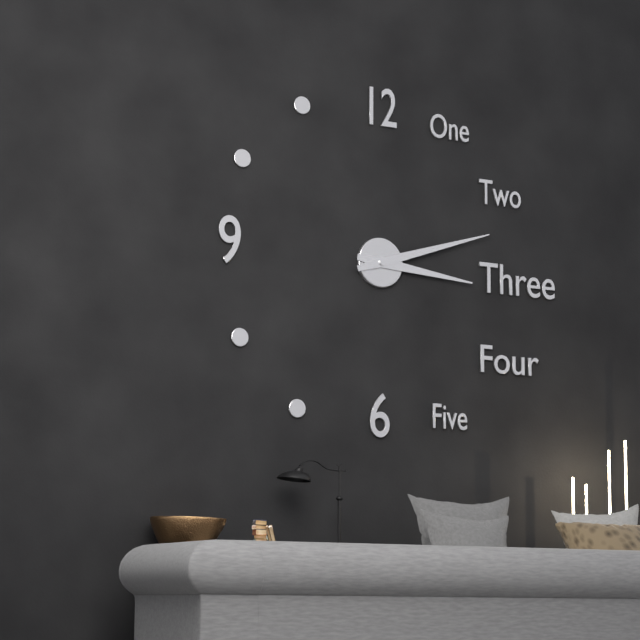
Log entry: 3h12
